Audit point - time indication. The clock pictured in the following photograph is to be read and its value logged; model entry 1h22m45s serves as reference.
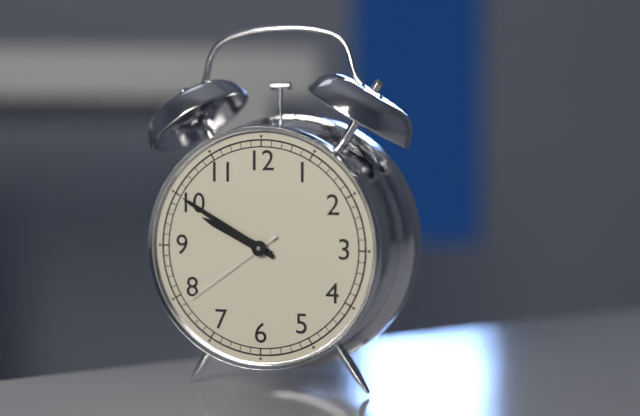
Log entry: 9h50m39s
